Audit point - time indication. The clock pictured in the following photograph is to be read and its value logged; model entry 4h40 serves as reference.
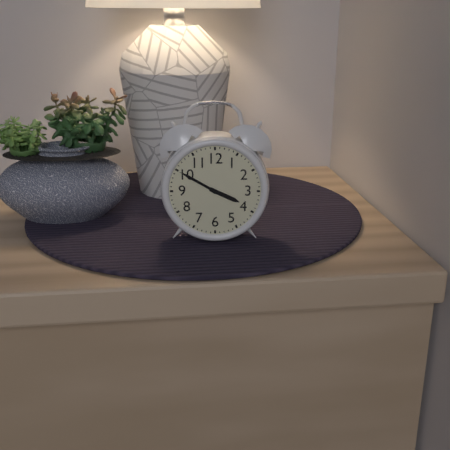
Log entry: 3h50
